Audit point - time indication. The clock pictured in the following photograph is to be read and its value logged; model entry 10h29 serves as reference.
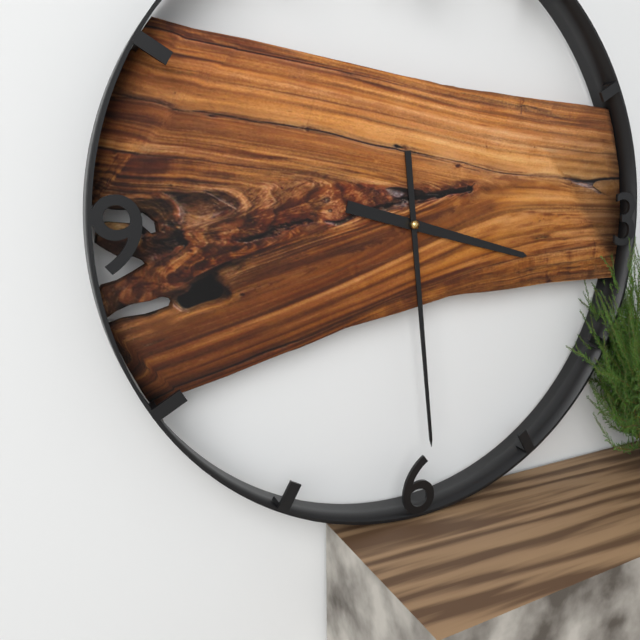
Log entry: 3h29
